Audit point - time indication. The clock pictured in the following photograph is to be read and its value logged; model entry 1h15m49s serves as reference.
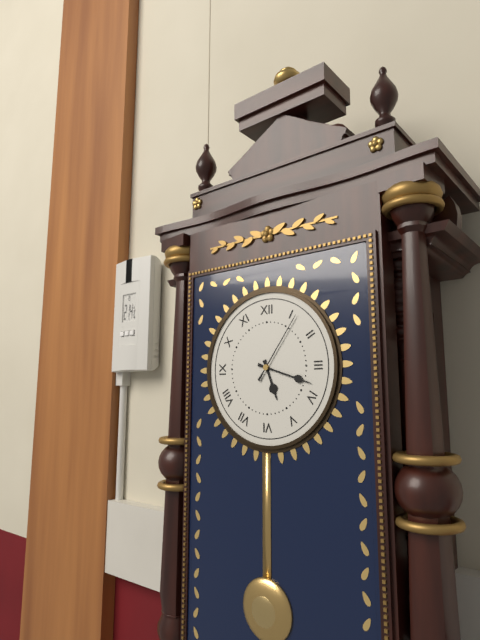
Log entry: 5h18m06s
